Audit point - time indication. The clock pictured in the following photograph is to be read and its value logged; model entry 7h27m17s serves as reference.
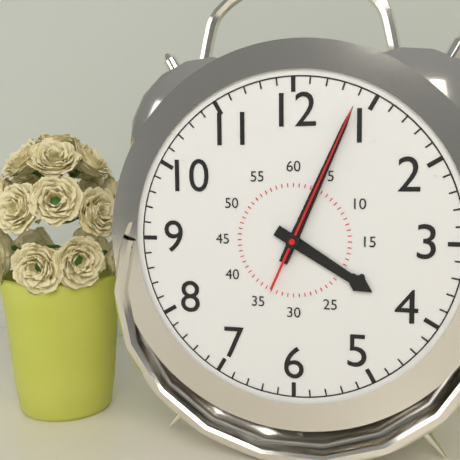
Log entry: 4h04m04s
